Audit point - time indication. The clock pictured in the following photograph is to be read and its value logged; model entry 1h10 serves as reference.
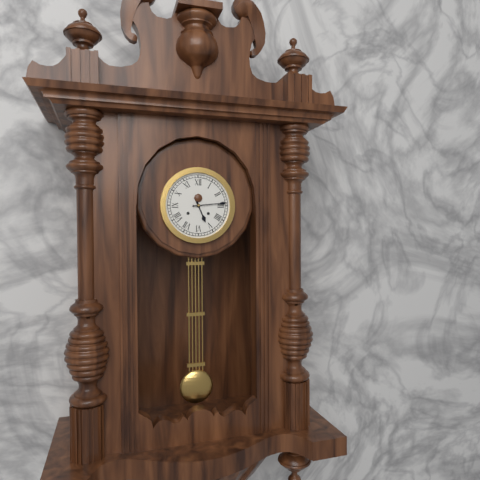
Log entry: 5h14
